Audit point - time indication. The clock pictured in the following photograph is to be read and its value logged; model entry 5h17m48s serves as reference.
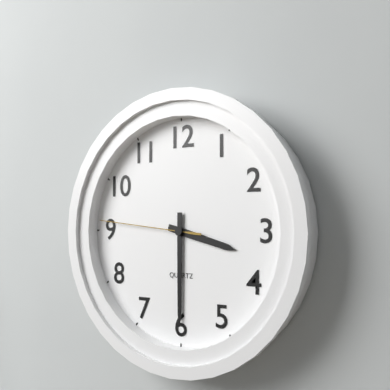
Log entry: 3h30m46s
